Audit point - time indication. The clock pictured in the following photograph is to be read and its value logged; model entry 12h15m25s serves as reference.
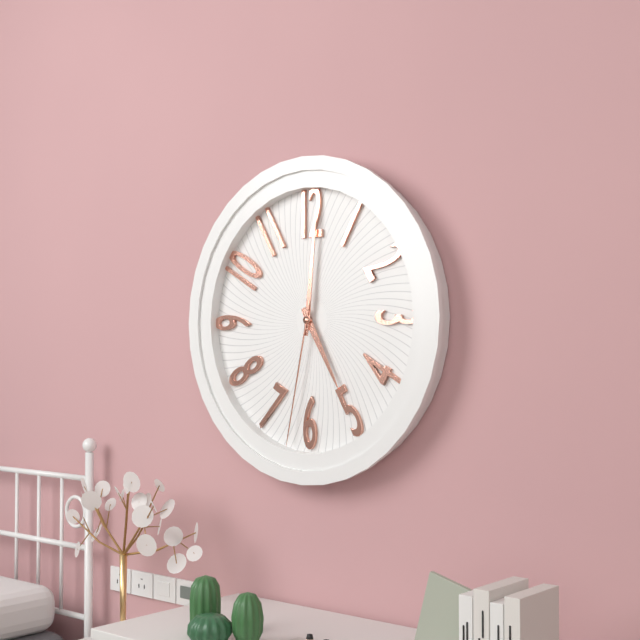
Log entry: 5h01m32s
